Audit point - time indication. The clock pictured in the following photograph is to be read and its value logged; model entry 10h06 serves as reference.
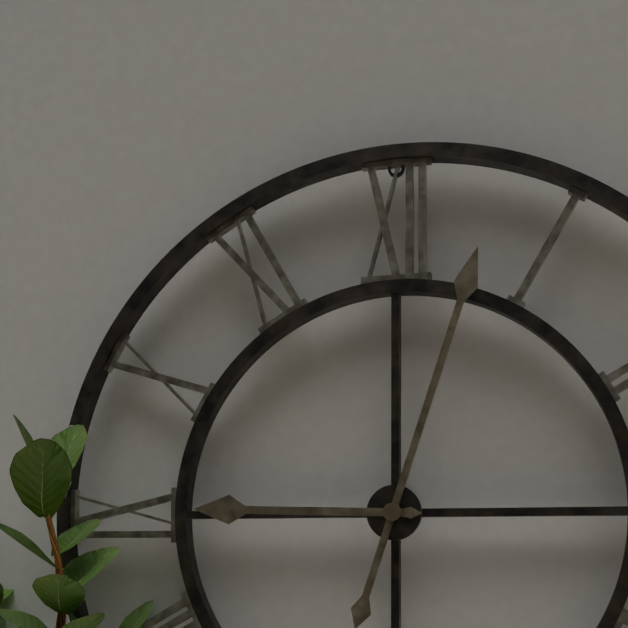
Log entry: 9h03
